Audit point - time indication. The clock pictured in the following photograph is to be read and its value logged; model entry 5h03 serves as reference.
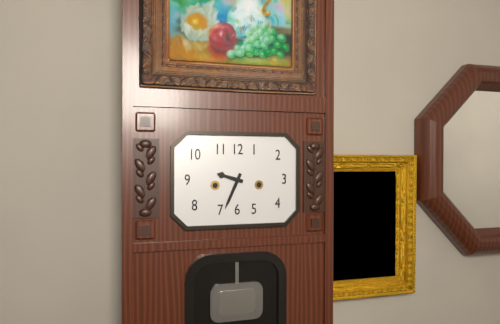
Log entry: 9h34
